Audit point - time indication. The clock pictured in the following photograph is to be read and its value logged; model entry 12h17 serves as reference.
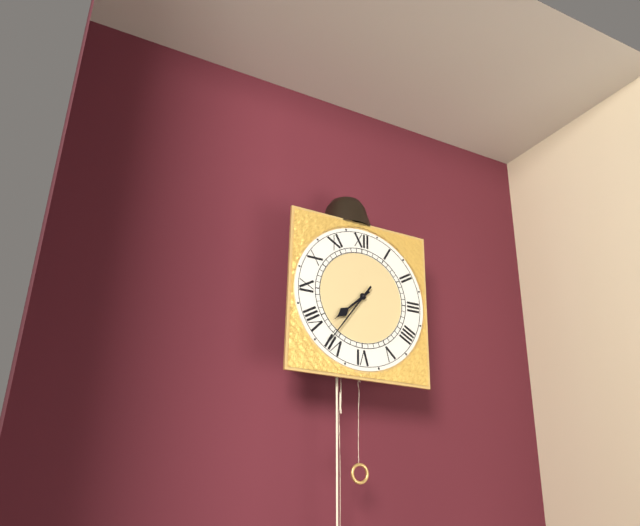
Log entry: 7h36
